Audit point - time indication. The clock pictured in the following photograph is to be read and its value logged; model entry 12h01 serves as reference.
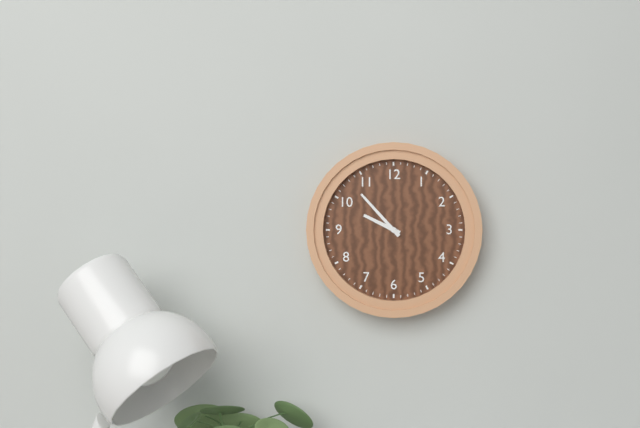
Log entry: 9h53
